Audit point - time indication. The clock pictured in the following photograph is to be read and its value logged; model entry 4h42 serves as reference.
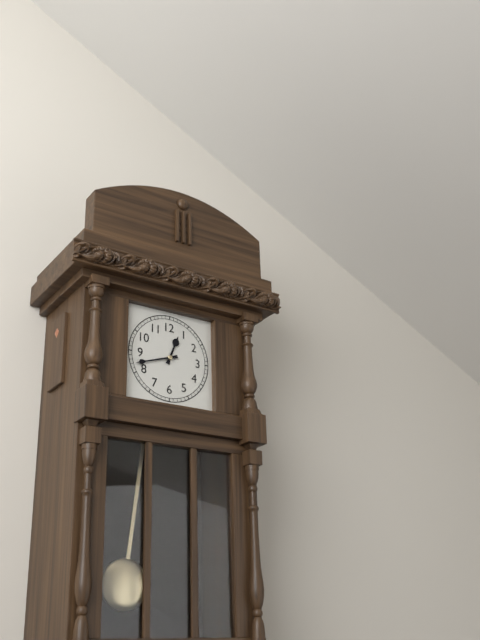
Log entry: 12h42
